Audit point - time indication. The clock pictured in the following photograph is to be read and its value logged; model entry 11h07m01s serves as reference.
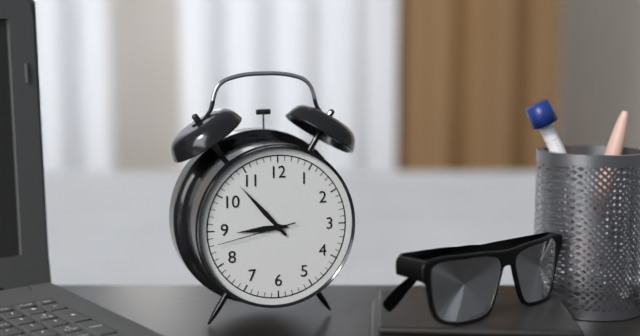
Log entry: 8h53m43s
